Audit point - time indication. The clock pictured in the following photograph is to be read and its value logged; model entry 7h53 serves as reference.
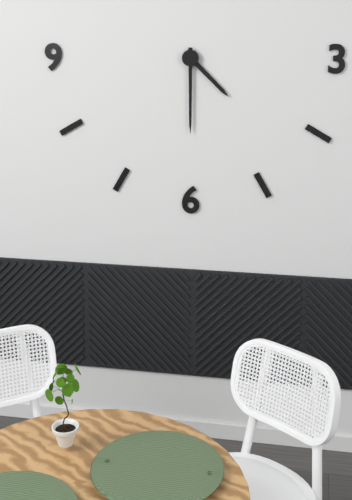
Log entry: 4h30
